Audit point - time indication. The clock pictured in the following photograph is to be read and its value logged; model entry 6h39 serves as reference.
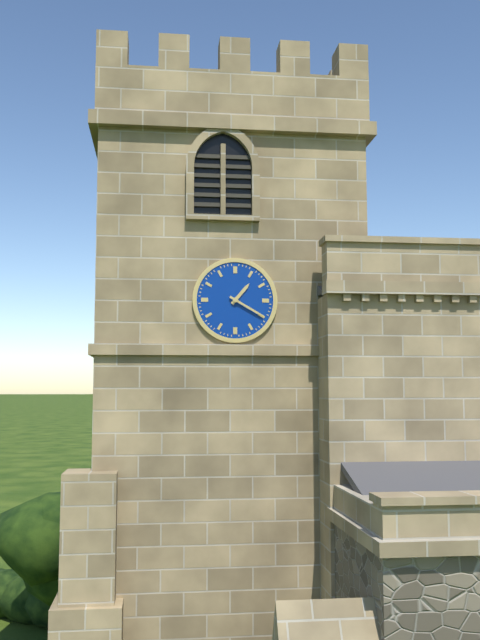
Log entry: 1h20
